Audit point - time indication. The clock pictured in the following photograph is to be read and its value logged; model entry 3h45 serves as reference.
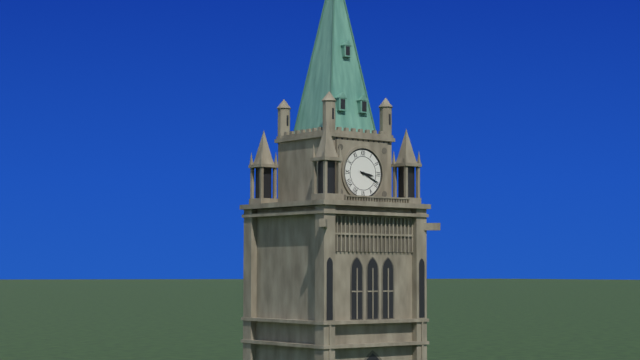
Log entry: 3h19
